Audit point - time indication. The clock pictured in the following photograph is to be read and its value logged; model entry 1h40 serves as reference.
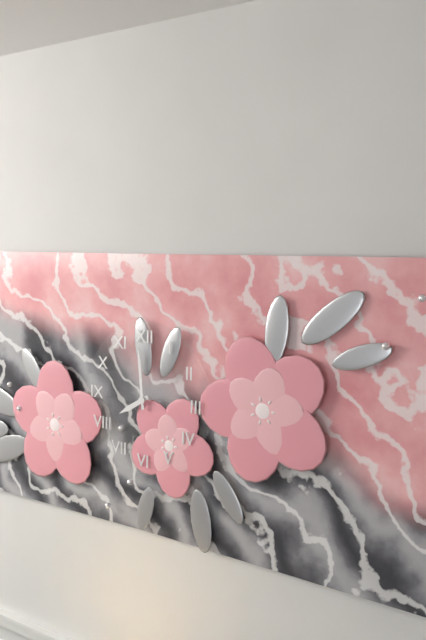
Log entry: 7h59
